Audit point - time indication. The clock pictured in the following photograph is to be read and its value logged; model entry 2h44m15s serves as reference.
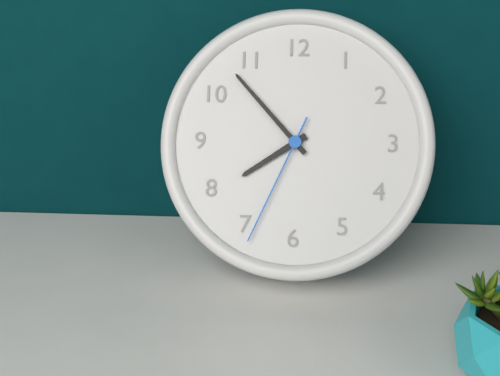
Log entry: 7h53m34s
